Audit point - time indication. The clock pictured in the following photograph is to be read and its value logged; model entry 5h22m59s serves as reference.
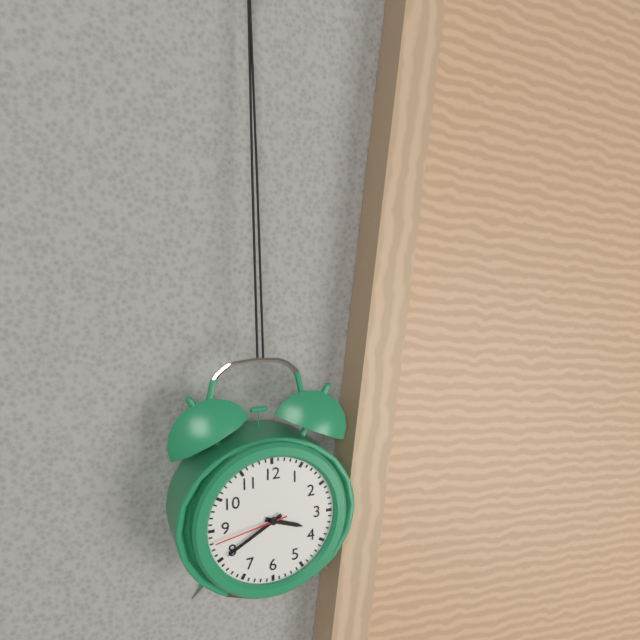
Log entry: 3h40m43s
